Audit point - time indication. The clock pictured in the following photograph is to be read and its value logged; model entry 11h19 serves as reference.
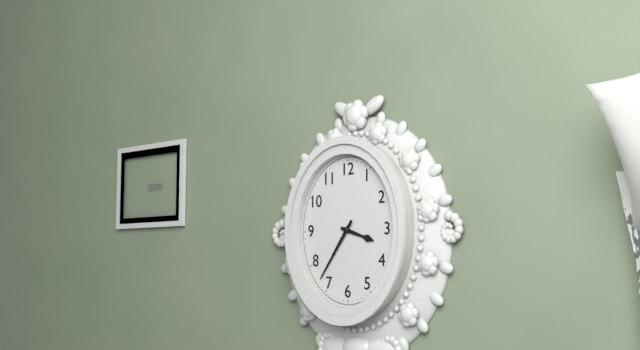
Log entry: 3h36
